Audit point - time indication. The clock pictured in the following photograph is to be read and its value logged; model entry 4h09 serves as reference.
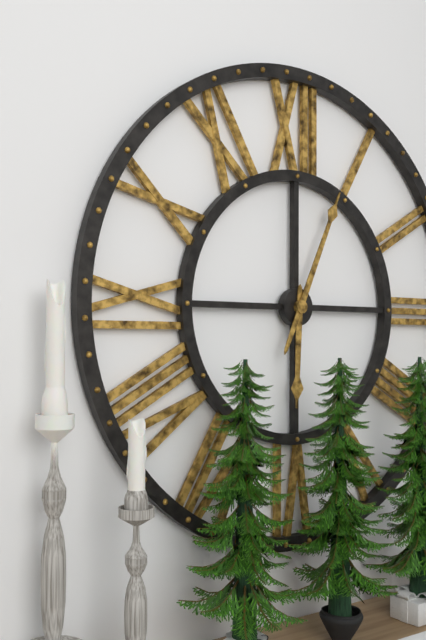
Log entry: 6h04
